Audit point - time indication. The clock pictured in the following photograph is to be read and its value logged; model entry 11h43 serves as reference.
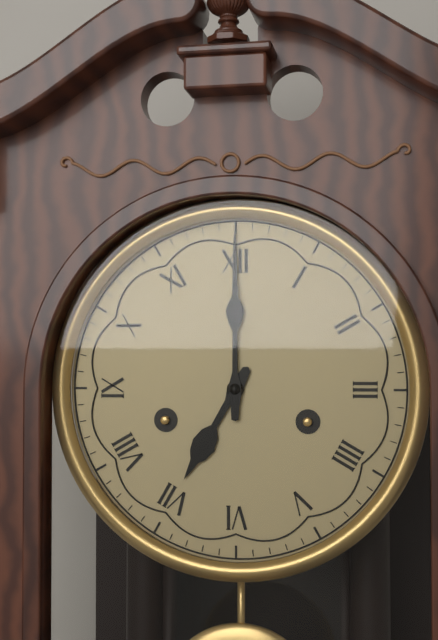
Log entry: 7h00
